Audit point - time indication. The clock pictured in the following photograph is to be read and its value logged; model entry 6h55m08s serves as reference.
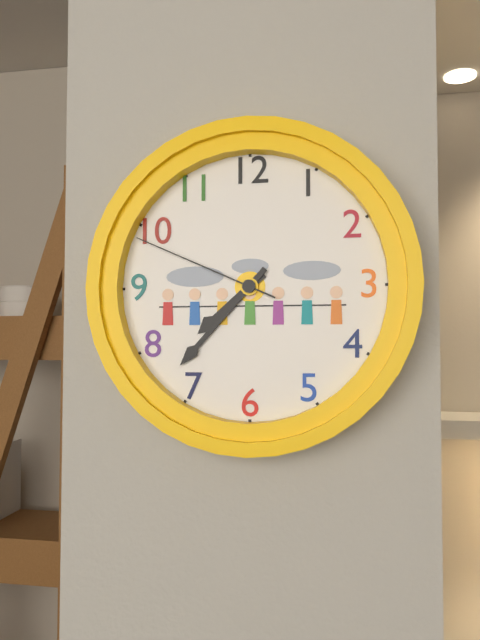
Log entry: 7h37m49s
